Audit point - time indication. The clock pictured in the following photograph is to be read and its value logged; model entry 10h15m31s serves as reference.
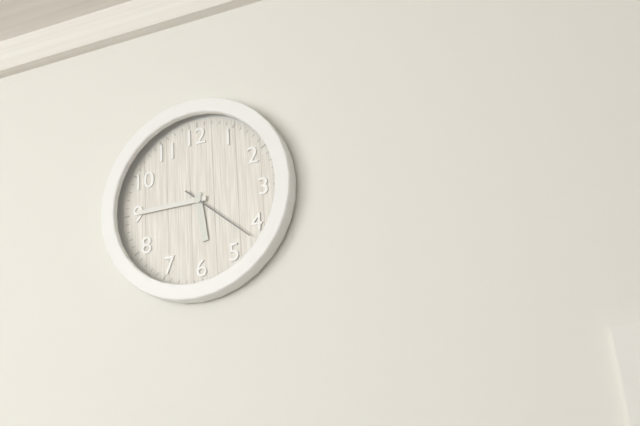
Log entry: 5h45m22s
